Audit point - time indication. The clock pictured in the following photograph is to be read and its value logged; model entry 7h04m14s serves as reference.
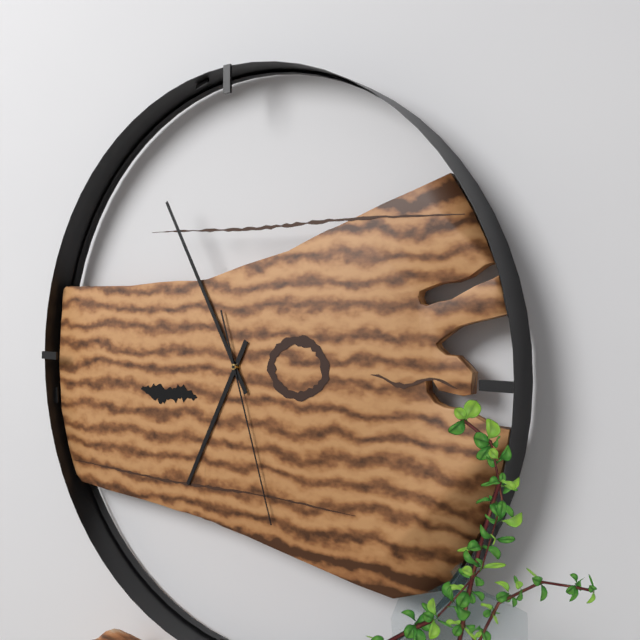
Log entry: 6h55m27s
